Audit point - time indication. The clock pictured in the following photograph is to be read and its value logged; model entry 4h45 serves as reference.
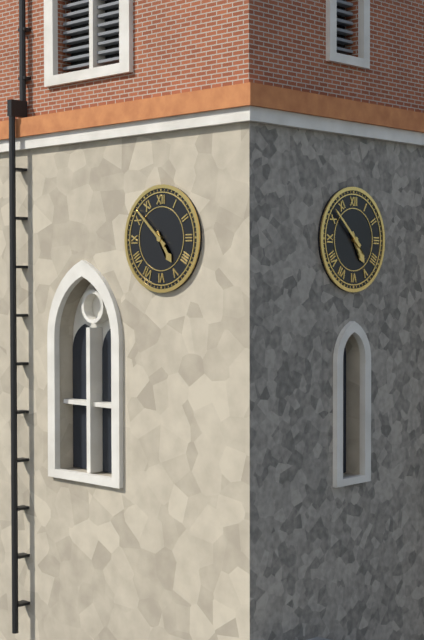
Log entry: 4h52
